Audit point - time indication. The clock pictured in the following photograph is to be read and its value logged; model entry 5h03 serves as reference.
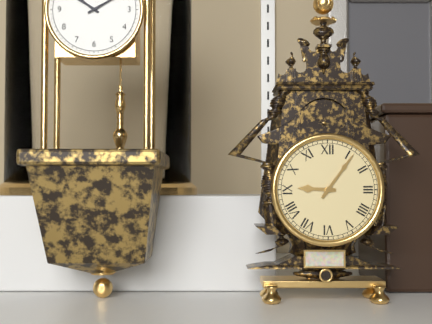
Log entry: 9h06
